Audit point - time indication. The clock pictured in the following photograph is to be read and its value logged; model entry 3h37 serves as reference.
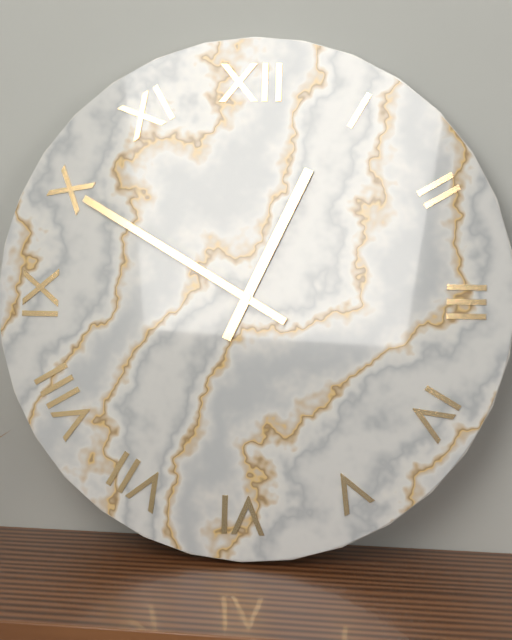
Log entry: 12h50
